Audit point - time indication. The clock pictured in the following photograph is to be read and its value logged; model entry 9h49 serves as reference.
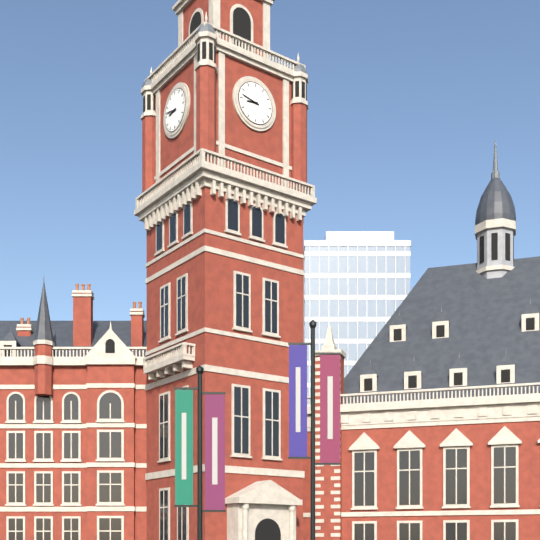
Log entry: 8h47
